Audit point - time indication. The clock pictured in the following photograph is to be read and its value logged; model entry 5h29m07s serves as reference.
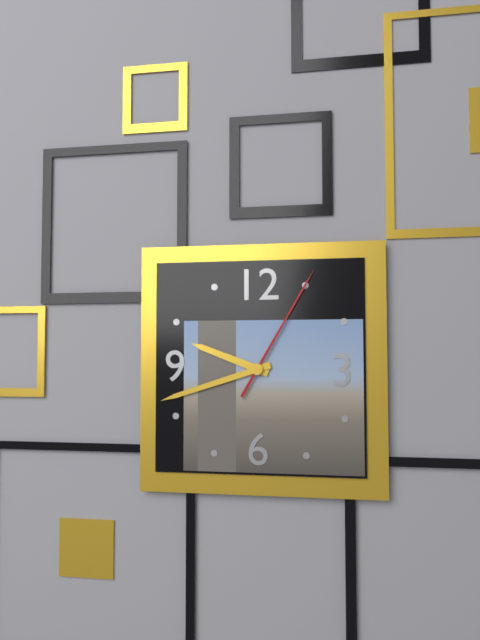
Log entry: 9h42m05s
